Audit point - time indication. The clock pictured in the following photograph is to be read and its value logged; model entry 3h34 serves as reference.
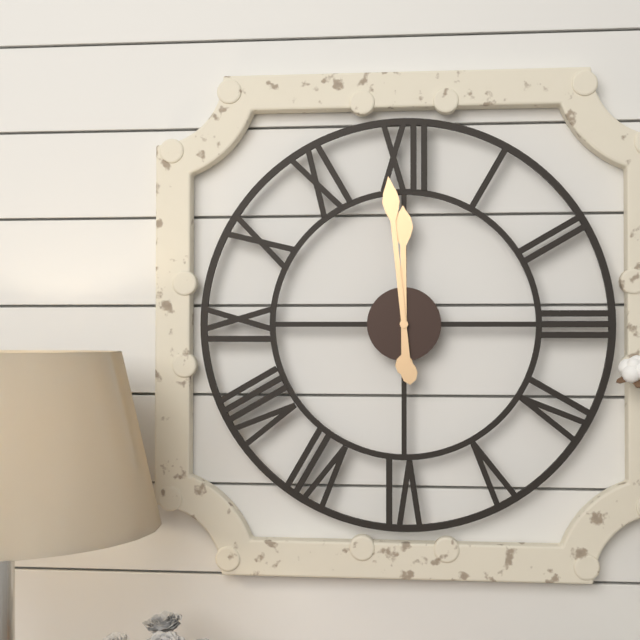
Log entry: 11h59
